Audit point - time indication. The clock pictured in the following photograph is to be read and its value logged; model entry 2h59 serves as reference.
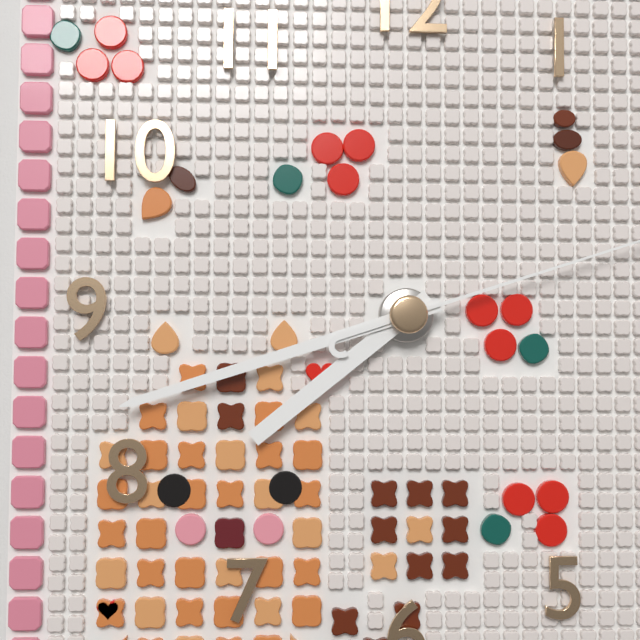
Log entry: 7h42
